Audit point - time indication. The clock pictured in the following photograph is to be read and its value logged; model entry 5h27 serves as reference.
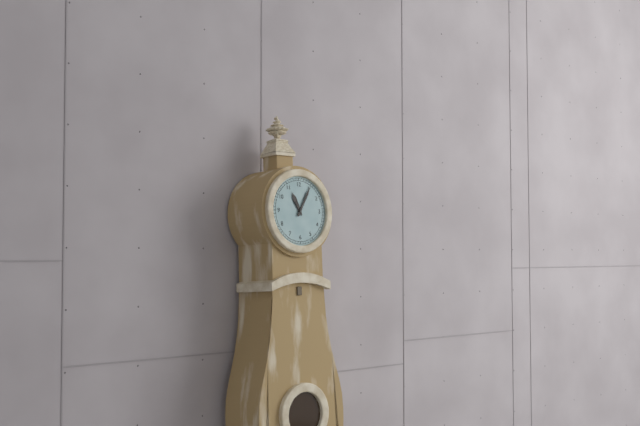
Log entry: 11h05
